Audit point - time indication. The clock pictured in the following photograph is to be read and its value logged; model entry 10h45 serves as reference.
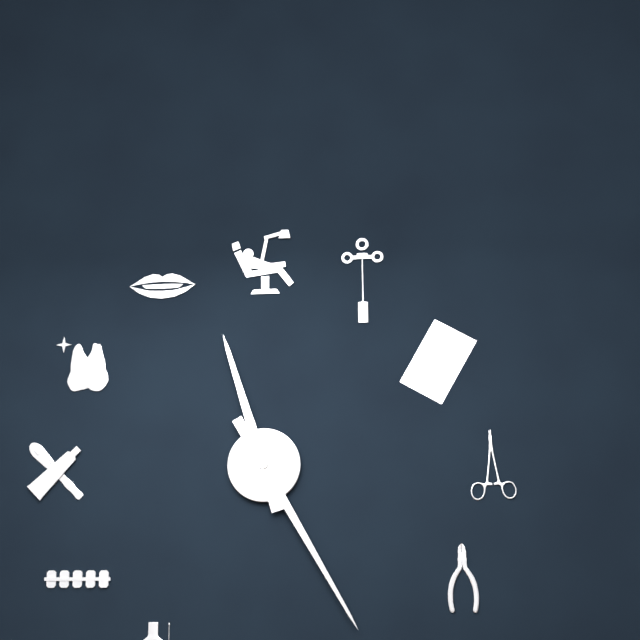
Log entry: 11h25
